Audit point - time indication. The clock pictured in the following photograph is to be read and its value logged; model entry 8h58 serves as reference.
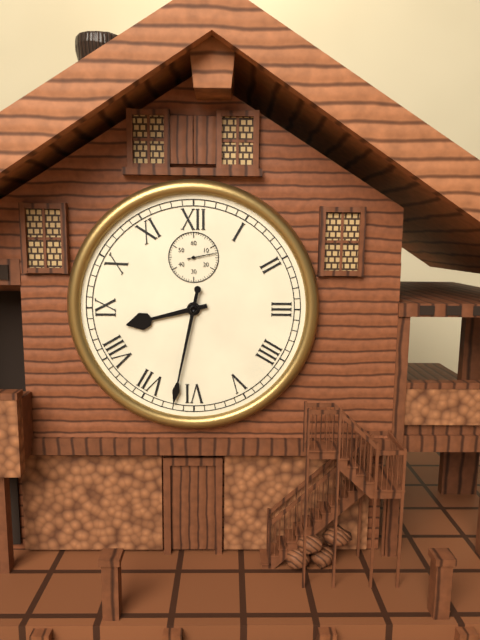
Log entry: 8h32
